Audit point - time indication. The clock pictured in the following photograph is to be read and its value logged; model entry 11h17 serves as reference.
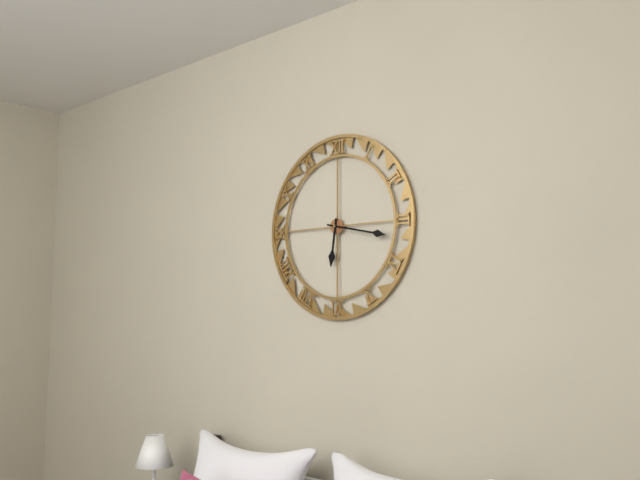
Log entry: 6h17
